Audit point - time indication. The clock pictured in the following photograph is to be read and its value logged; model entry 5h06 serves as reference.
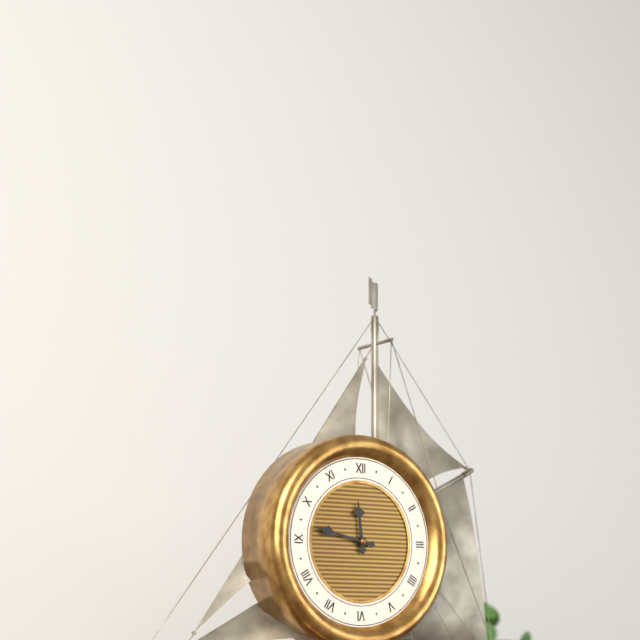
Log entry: 11h47
